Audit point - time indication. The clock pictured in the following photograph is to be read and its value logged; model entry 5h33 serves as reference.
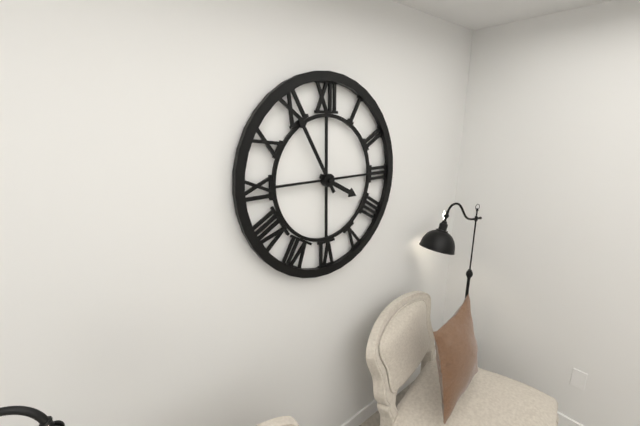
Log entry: 3h55
